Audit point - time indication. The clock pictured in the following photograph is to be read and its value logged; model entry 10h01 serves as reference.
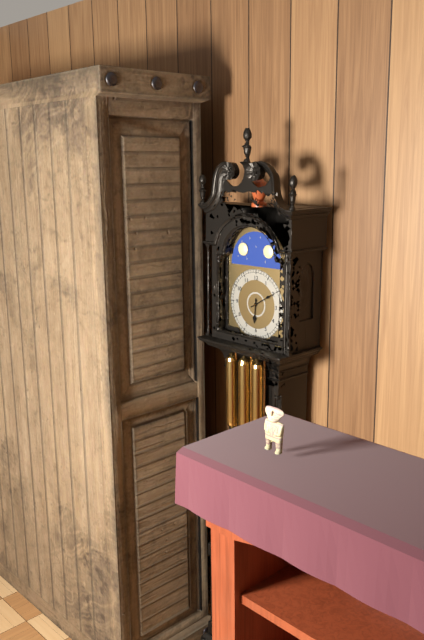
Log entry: 6h10
